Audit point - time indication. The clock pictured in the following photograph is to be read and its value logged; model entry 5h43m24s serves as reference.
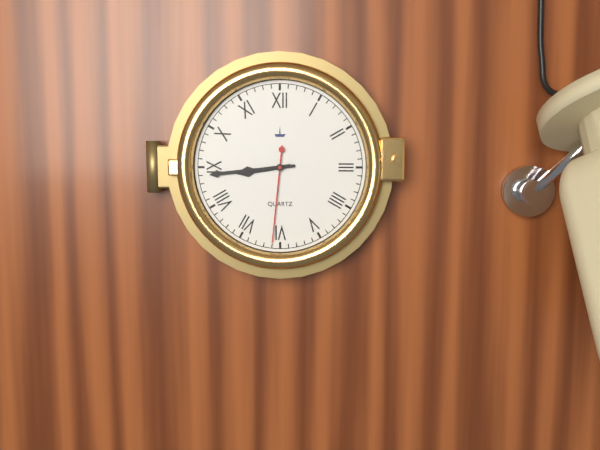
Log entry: 8h44m31s
